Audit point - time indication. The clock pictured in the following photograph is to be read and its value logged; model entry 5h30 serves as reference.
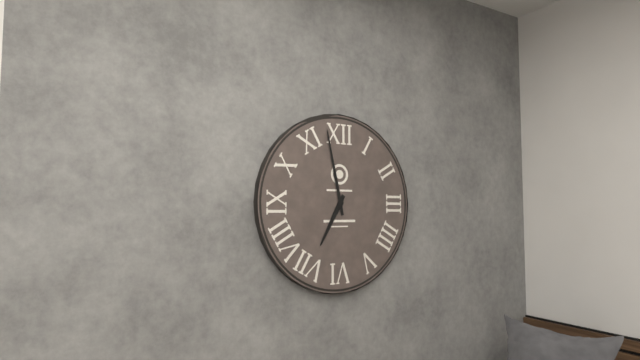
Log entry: 6h58
